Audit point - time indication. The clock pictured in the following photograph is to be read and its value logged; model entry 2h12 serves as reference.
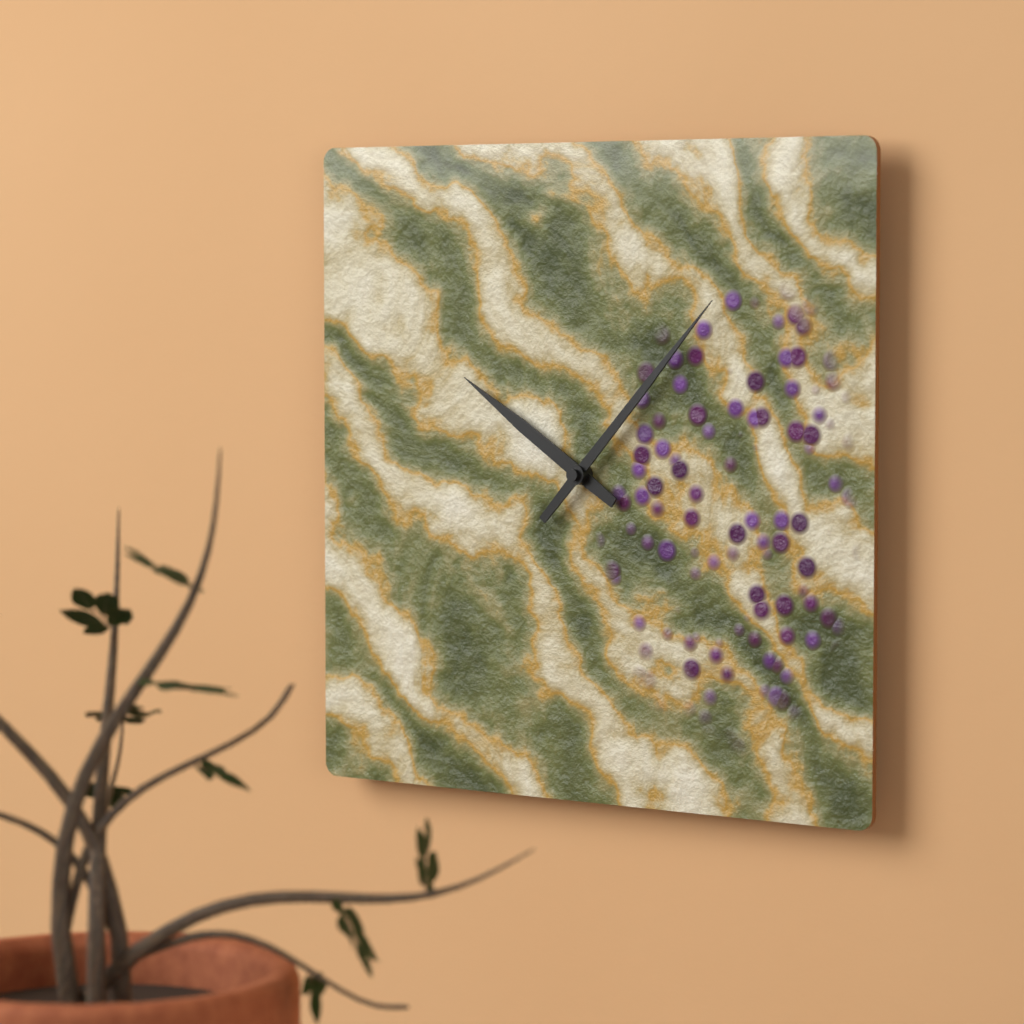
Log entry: 10h07
